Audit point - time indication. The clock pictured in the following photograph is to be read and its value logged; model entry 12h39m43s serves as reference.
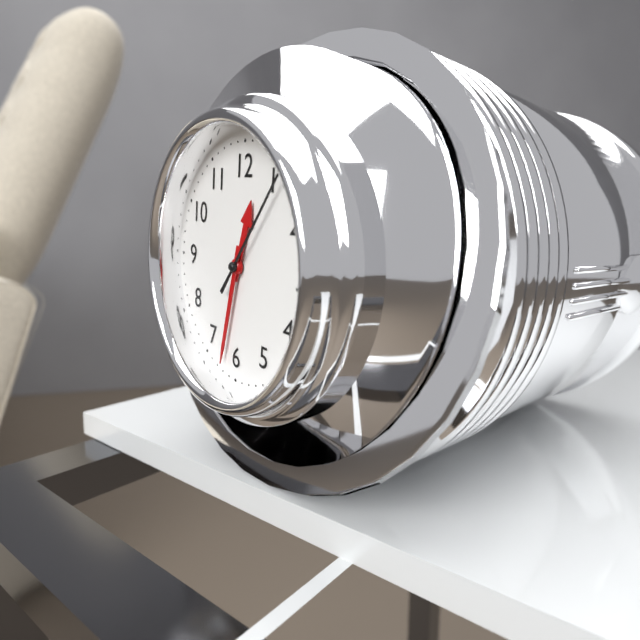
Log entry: 12h32m06s
